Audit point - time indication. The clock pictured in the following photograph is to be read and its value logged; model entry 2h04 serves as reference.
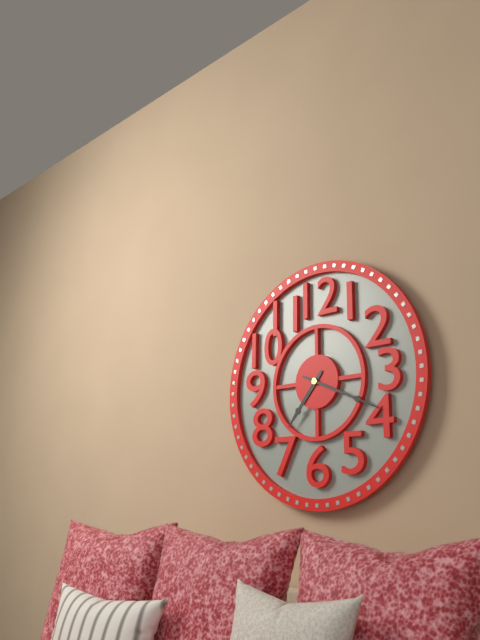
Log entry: 7h19
